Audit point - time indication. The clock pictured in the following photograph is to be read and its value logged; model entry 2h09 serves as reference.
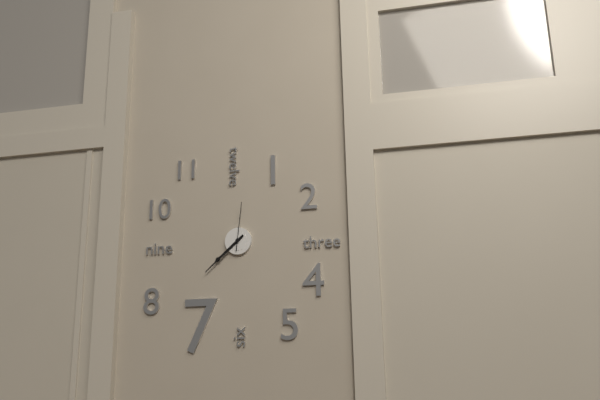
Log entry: 7h38
